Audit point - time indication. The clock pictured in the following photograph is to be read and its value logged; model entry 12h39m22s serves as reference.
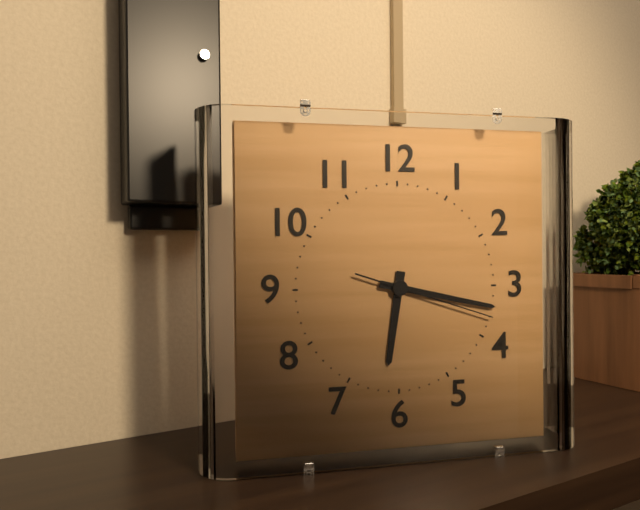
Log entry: 6h17m18s
